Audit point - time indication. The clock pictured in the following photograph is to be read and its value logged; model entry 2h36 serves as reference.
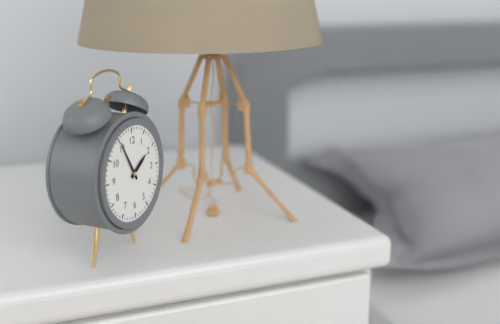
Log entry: 1h55
